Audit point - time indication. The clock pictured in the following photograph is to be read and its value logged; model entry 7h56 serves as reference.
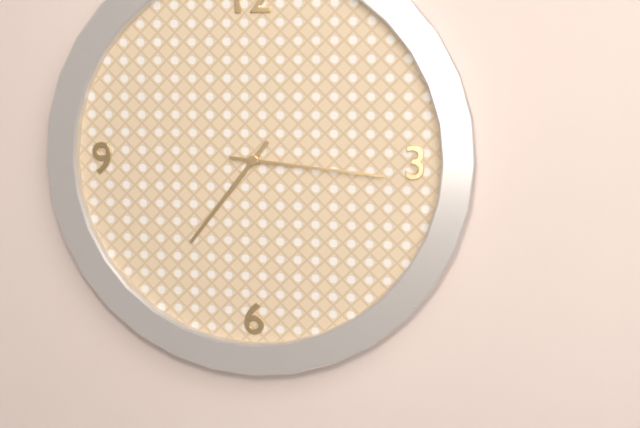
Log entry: 7h16
